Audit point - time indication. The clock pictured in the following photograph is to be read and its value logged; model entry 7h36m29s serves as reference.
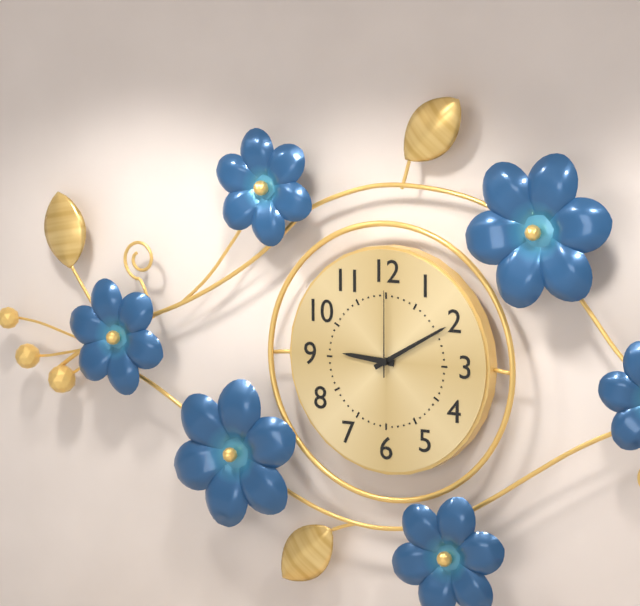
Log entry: 9h10m00s
